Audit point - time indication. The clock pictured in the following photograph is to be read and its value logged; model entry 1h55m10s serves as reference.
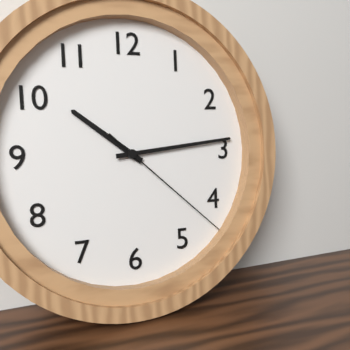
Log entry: 10h14m22s
